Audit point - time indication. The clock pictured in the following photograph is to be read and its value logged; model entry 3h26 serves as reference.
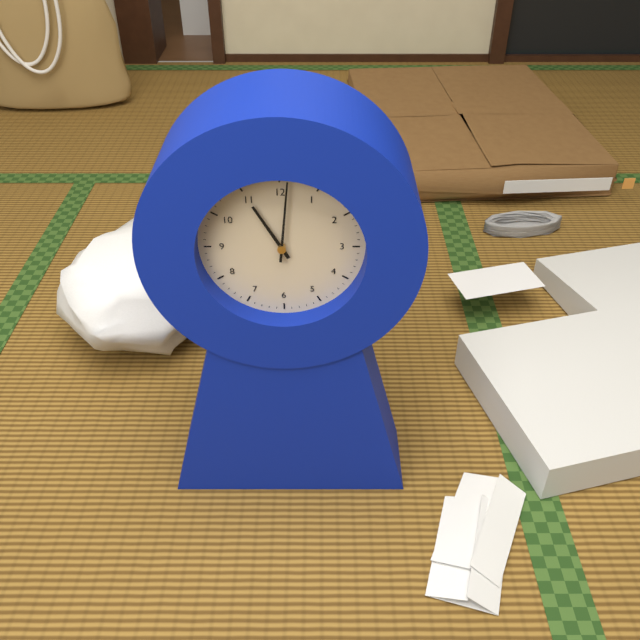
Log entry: 11h01
